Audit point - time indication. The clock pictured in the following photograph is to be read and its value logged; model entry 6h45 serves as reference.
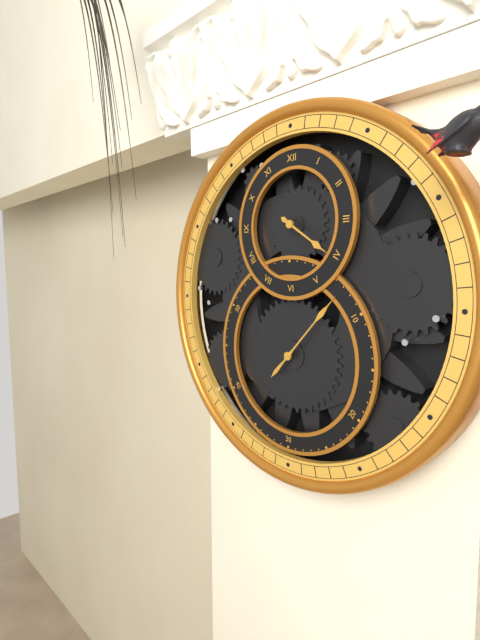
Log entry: 4h07
